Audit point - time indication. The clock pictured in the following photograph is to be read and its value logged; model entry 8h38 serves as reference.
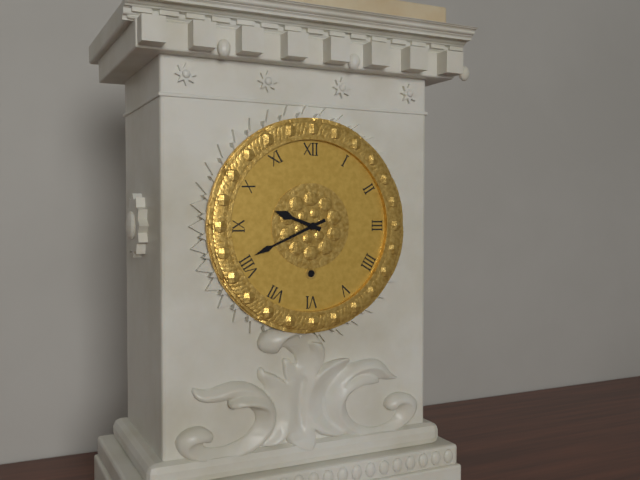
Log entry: 9h41
